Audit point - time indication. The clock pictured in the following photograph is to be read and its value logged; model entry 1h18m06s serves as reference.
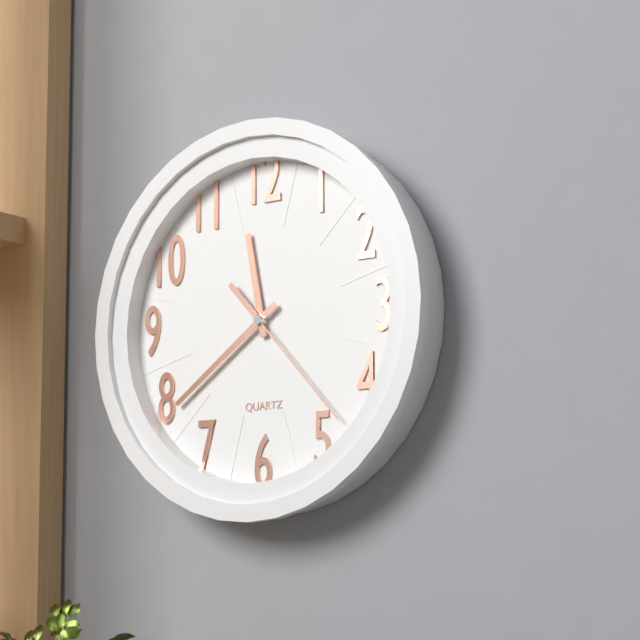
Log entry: 11h39m23s
